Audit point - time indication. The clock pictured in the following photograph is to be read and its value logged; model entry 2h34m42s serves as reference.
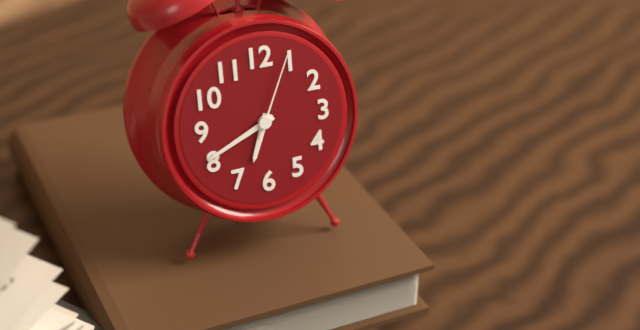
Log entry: 6h41m04s
